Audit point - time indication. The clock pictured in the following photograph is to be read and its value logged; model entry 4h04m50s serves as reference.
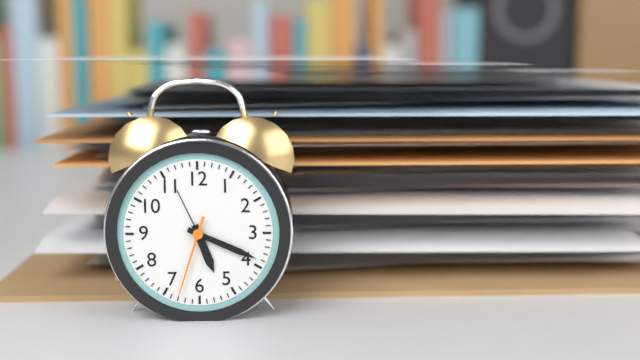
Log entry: 5h19m33s
